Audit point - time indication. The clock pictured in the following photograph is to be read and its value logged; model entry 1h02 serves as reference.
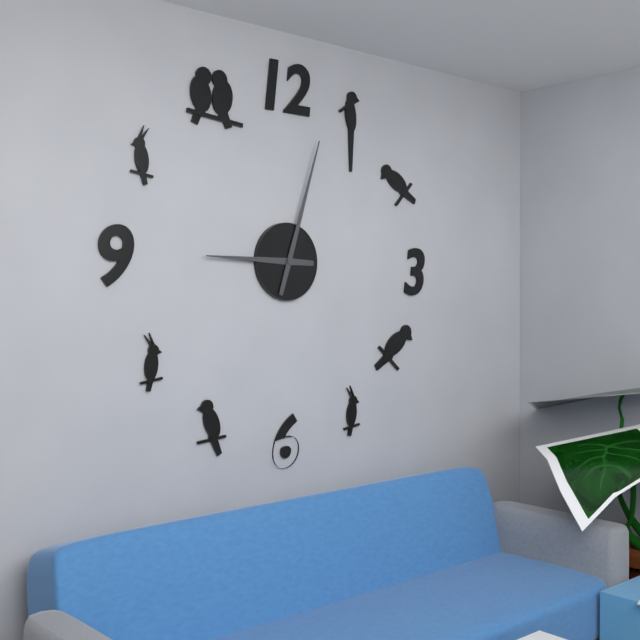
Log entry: 9h03
